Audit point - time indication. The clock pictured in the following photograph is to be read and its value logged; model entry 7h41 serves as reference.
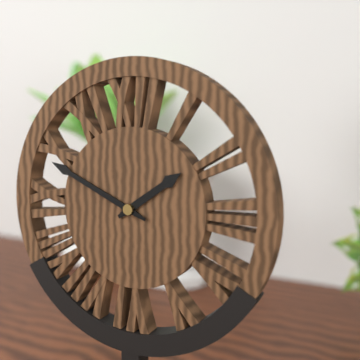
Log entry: 1h49
